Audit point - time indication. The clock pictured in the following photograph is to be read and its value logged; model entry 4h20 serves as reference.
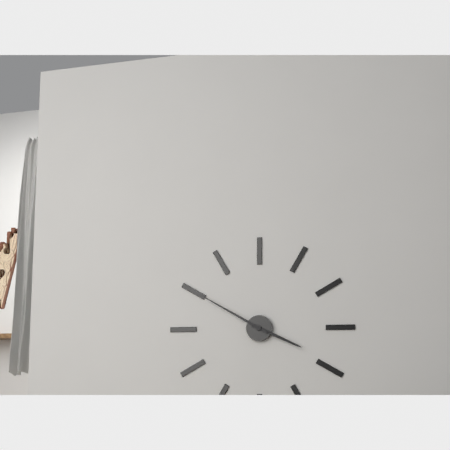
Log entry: 3h50
